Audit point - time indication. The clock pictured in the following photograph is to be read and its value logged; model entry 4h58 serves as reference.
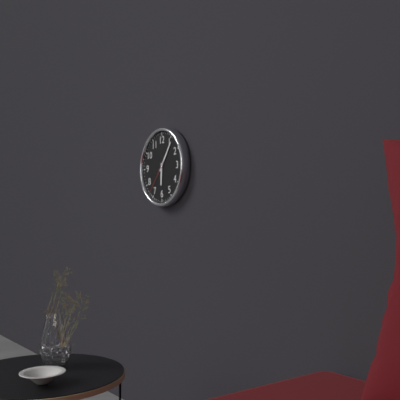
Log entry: 6h06
